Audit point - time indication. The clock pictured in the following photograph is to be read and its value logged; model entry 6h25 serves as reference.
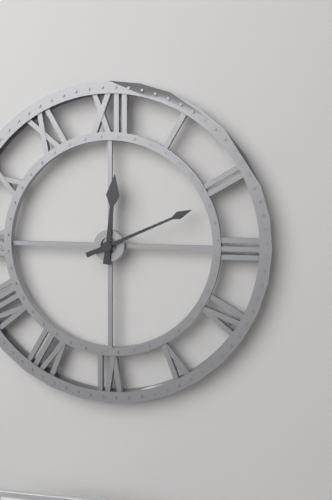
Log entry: 12h11
